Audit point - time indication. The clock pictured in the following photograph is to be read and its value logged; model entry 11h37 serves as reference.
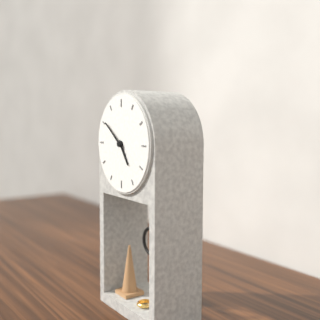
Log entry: 4h51
